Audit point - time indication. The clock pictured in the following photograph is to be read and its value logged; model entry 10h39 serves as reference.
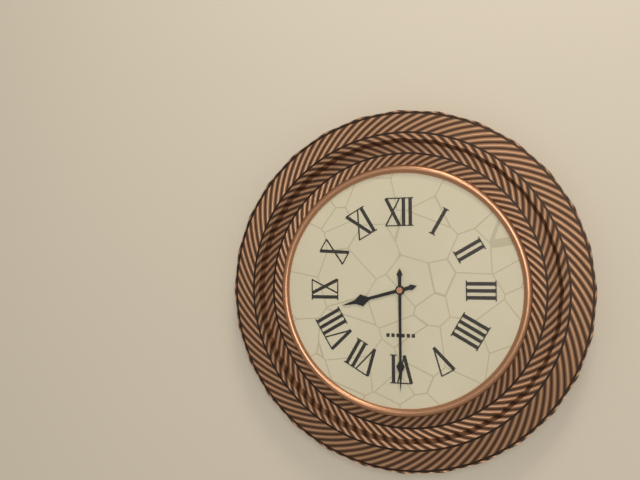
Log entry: 8h30
